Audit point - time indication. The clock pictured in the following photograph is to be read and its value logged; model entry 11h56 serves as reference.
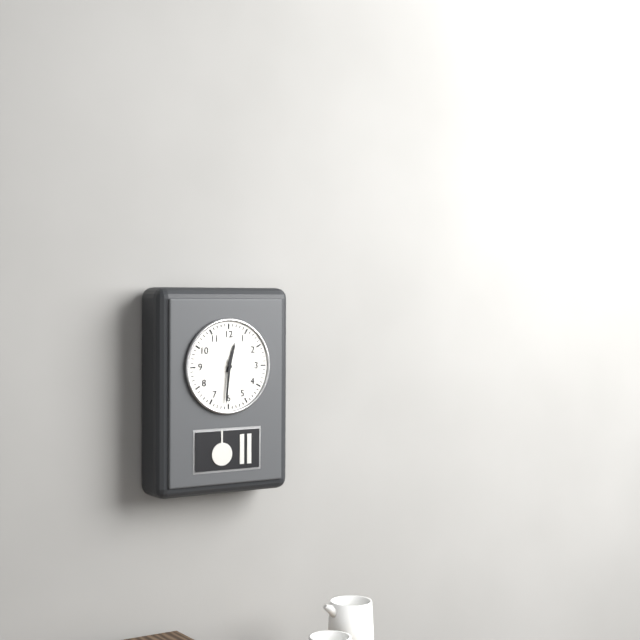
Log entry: 12h31
